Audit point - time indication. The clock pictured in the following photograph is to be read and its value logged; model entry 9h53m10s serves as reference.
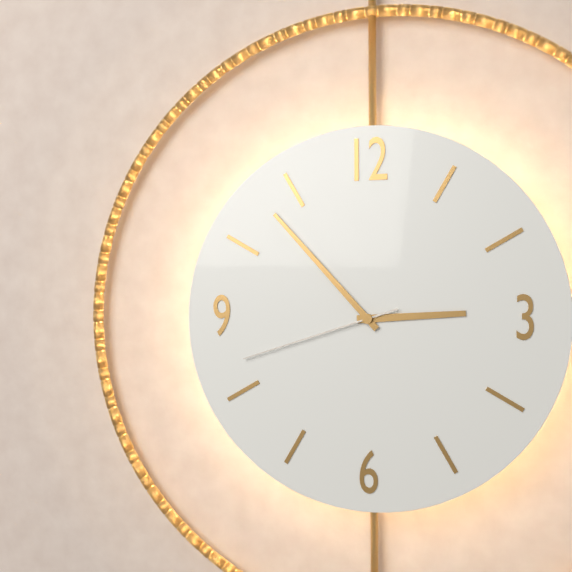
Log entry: 2h53m42s
